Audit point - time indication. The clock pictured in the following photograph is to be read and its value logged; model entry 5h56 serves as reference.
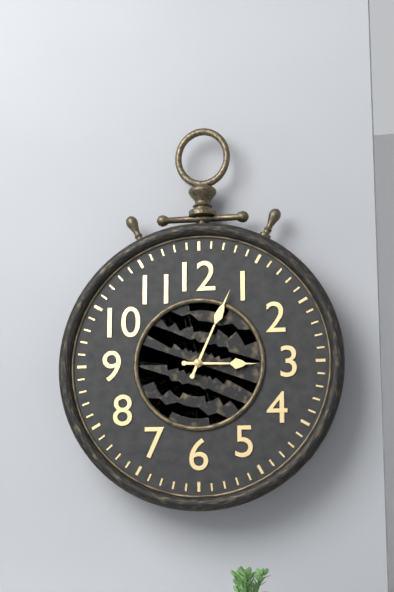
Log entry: 3h04
